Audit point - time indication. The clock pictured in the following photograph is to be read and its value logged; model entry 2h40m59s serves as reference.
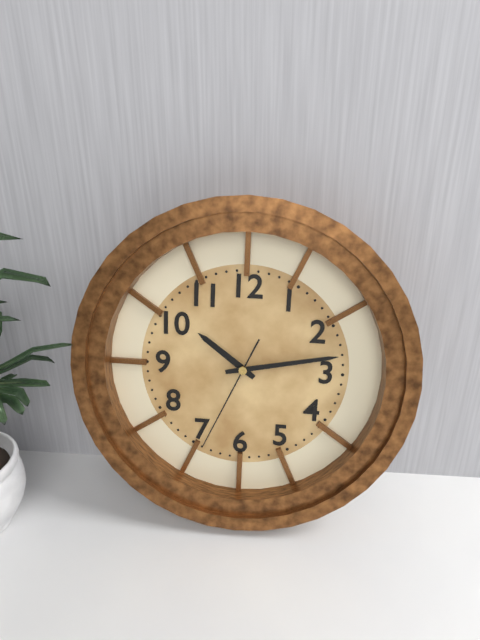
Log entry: 10h13m34s
